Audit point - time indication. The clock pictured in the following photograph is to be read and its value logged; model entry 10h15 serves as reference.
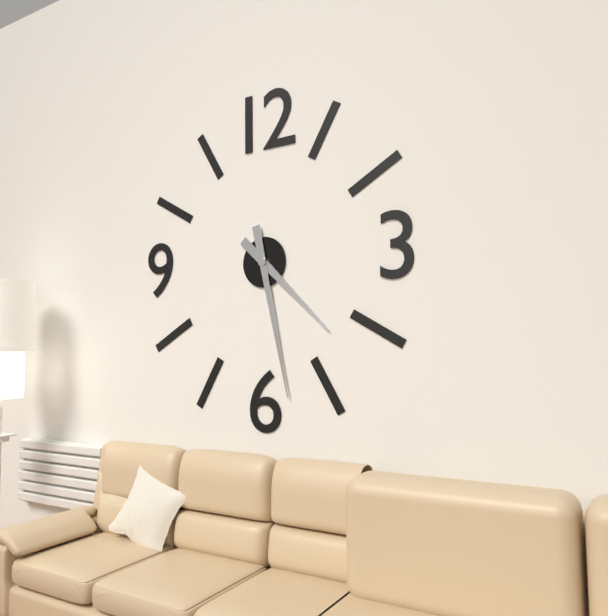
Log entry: 4h28
